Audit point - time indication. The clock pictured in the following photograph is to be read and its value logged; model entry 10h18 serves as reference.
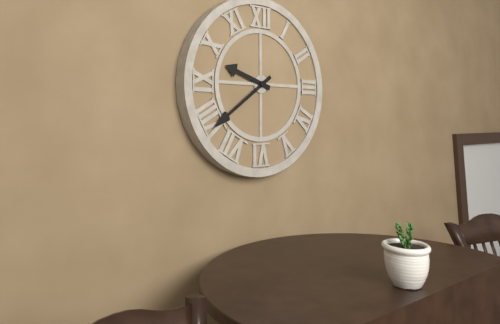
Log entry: 9h39
